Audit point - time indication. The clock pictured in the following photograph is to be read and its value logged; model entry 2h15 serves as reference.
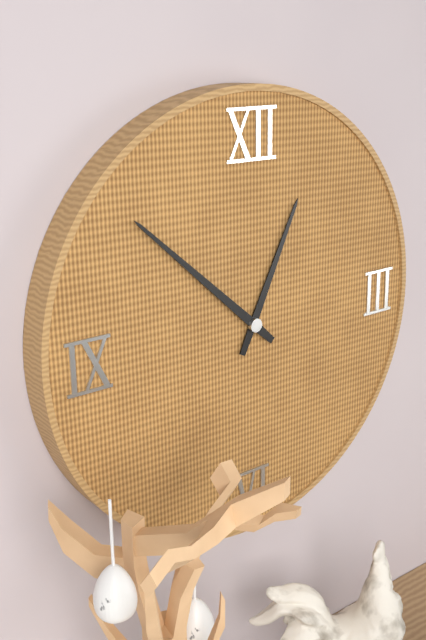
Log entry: 12h52
